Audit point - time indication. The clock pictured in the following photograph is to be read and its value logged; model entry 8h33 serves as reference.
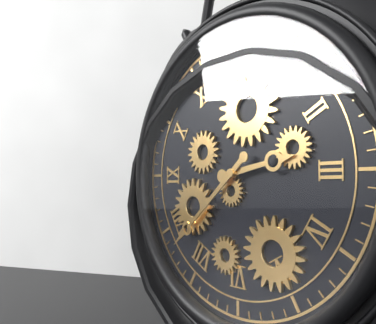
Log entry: 2h38
